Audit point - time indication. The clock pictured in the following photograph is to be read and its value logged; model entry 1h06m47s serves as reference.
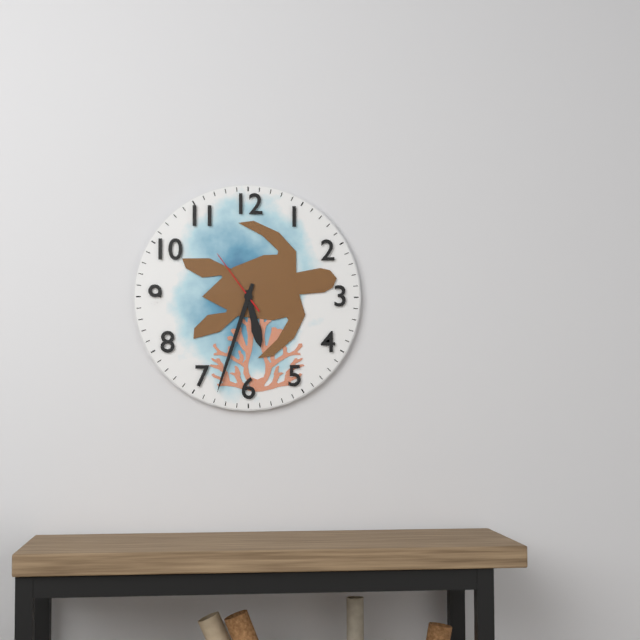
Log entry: 5h33m54s
